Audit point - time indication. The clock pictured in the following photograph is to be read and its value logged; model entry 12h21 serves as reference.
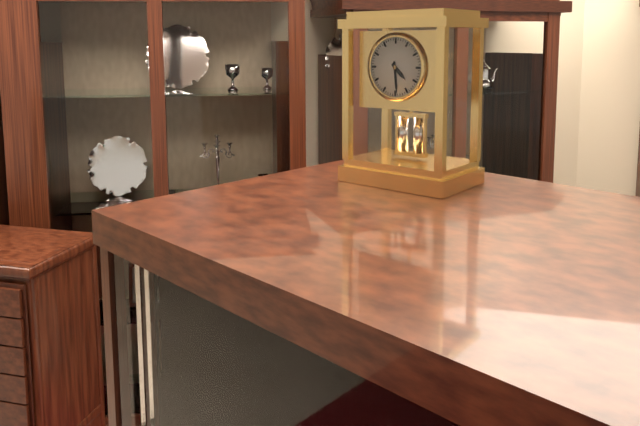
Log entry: 4h29
